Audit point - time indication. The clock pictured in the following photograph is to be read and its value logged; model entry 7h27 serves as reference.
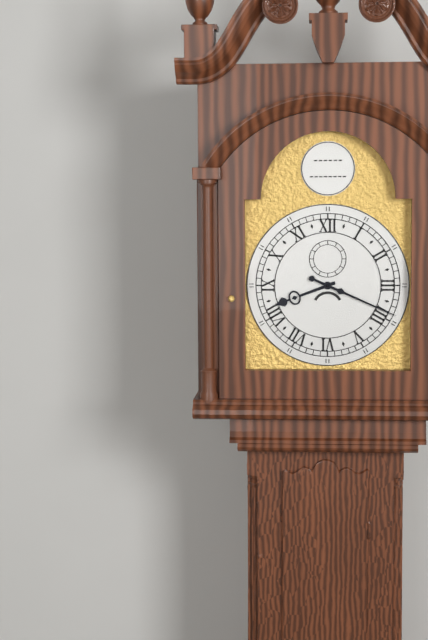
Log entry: 8h19
